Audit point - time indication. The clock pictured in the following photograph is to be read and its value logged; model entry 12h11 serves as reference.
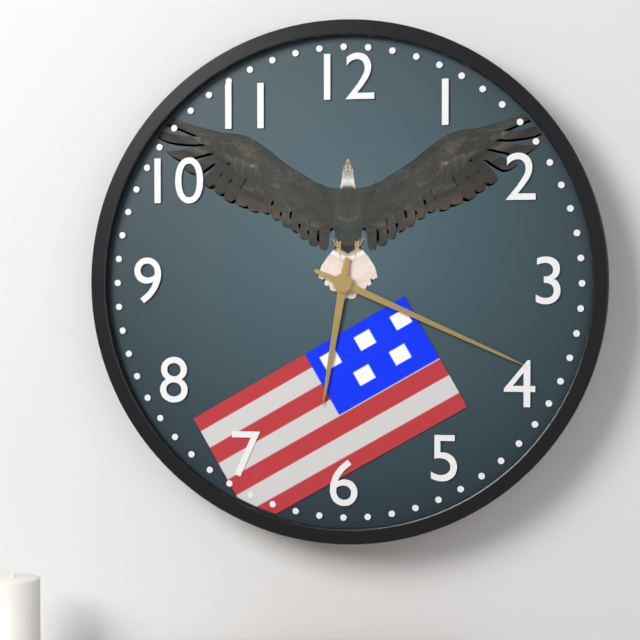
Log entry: 6h19
